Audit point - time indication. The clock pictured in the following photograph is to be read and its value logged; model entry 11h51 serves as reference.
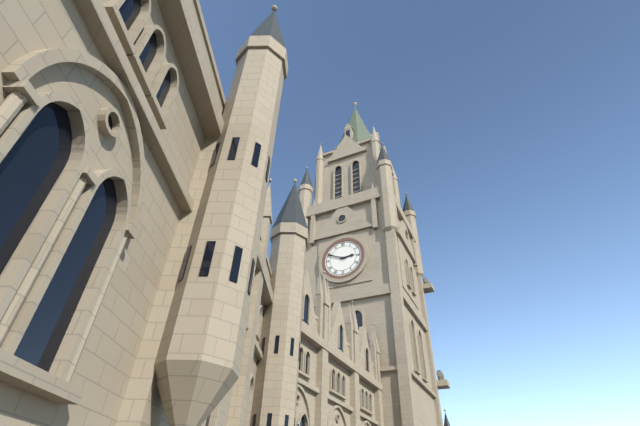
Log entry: 2h49
